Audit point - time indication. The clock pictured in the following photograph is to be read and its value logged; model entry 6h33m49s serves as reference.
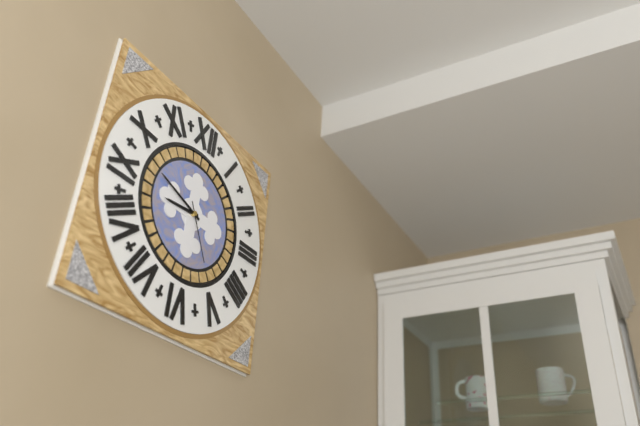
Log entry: 8h48m25s
